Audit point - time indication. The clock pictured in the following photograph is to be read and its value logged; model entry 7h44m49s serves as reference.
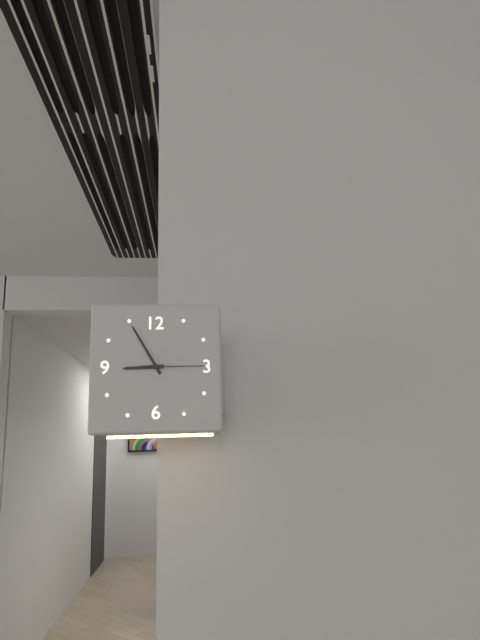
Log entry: 8h55m15s
